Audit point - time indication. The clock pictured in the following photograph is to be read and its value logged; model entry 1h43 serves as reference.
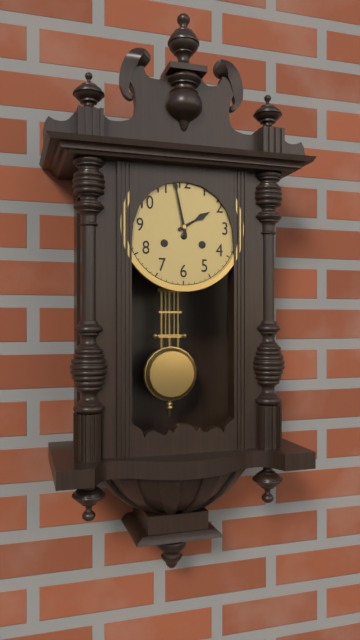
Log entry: 1h58
